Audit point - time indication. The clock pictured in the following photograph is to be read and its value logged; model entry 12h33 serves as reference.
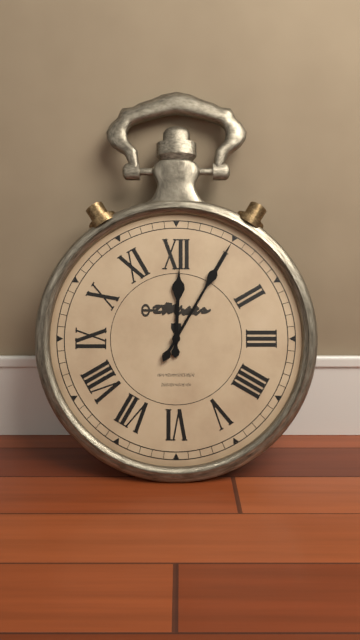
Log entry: 12h05
